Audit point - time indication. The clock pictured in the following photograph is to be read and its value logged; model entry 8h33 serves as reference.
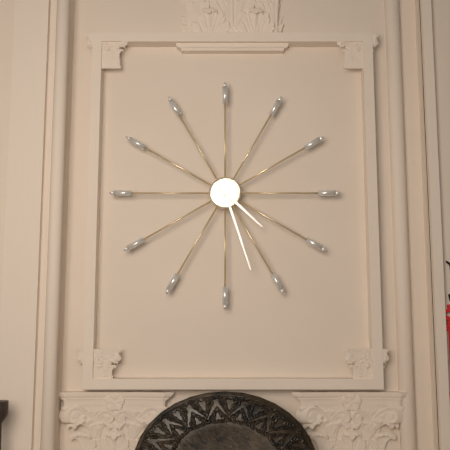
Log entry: 4h27
